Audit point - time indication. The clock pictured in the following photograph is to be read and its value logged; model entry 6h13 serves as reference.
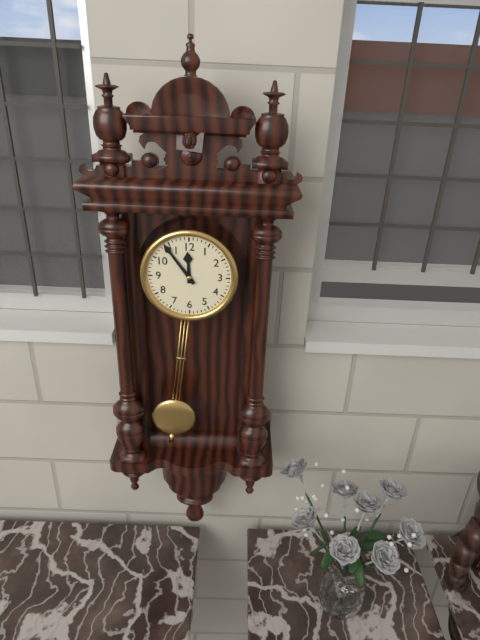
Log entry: 11h54
